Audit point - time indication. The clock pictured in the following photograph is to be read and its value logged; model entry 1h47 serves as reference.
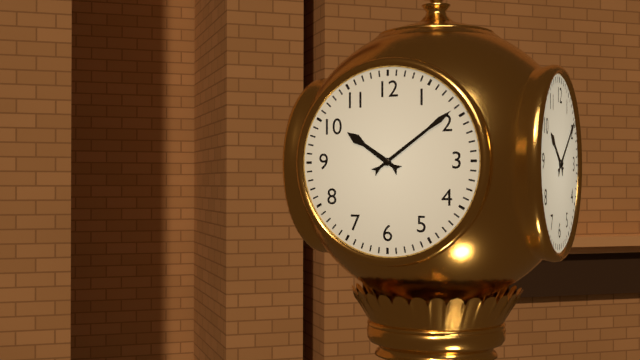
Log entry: 10h09
